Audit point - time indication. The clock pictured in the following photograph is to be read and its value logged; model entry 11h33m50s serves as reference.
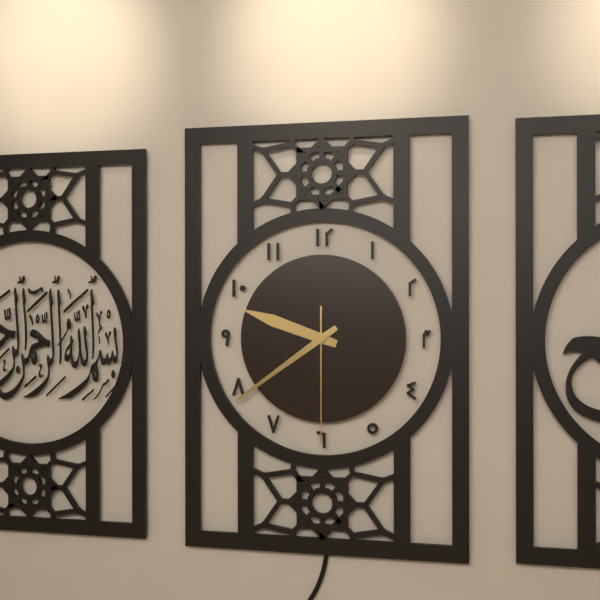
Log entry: 9h39m30s
